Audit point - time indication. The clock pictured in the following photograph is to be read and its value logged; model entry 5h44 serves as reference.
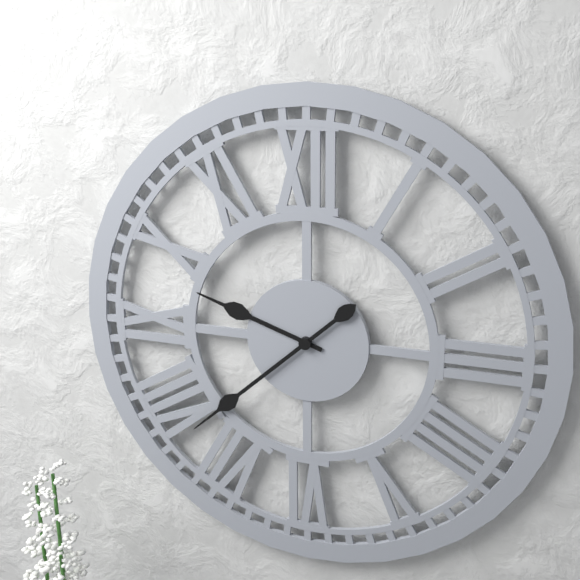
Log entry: 9h38
